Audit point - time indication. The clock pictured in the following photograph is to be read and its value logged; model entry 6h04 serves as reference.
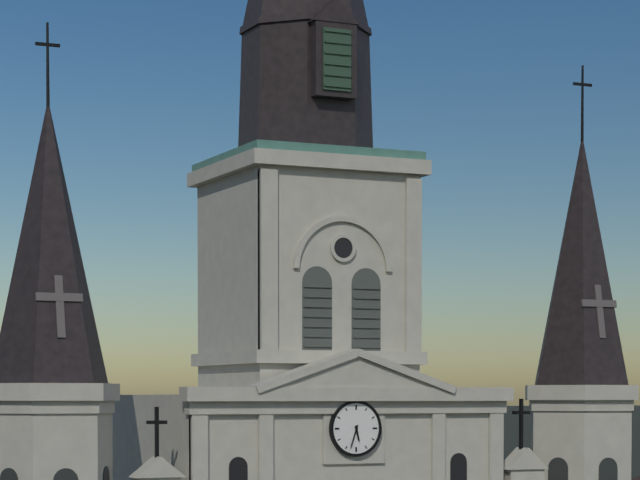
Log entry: 5h33
